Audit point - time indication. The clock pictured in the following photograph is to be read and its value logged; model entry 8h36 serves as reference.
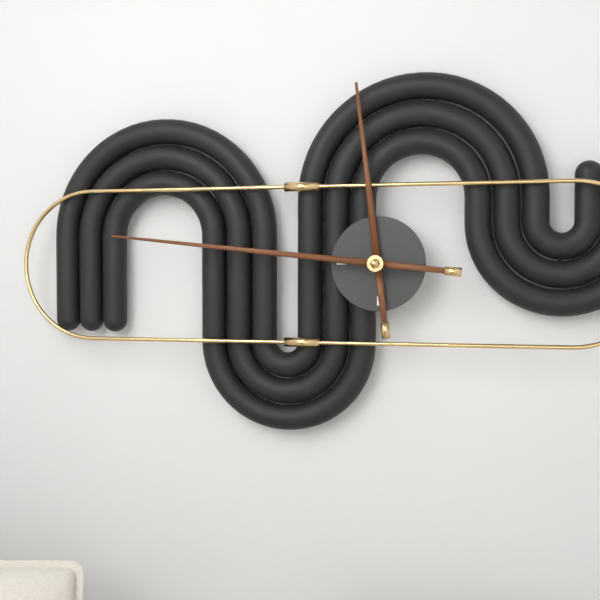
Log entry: 11h46
